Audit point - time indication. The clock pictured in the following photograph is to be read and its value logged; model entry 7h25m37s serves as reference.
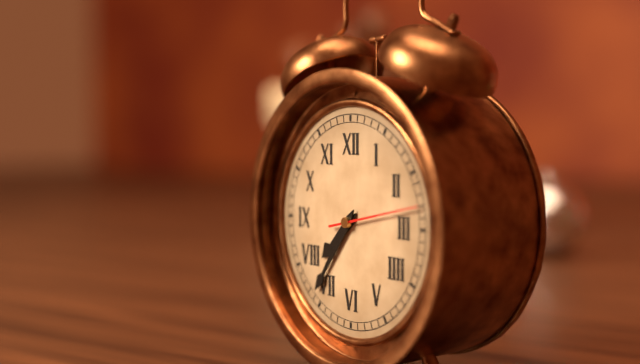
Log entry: 7h36m13s
